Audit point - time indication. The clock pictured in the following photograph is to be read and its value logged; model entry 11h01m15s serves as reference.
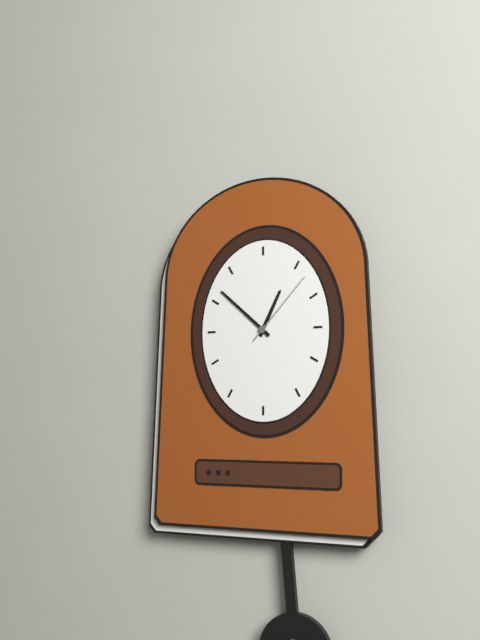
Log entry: 12h52m07s
